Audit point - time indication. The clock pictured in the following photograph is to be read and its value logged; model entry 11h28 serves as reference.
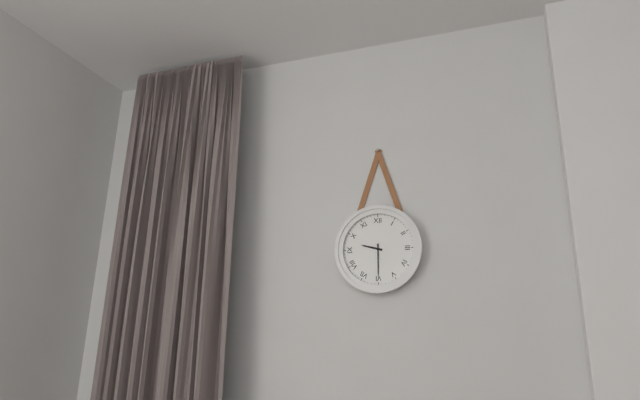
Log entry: 9h30
